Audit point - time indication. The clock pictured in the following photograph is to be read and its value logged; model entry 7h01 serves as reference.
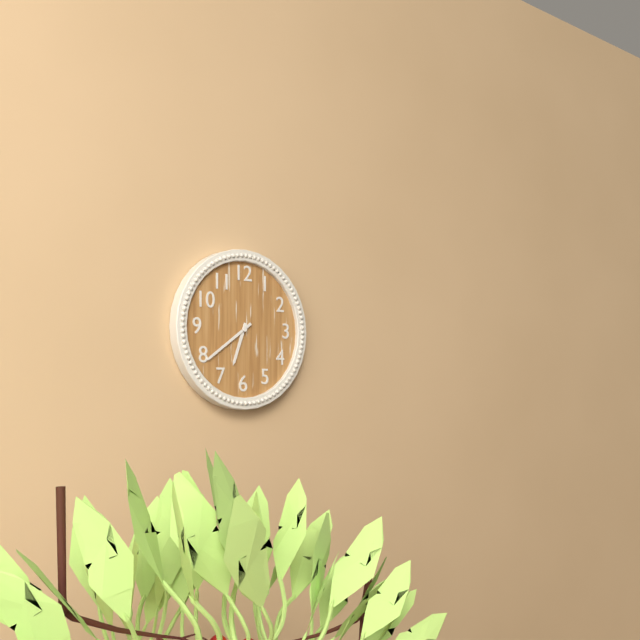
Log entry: 6h39
